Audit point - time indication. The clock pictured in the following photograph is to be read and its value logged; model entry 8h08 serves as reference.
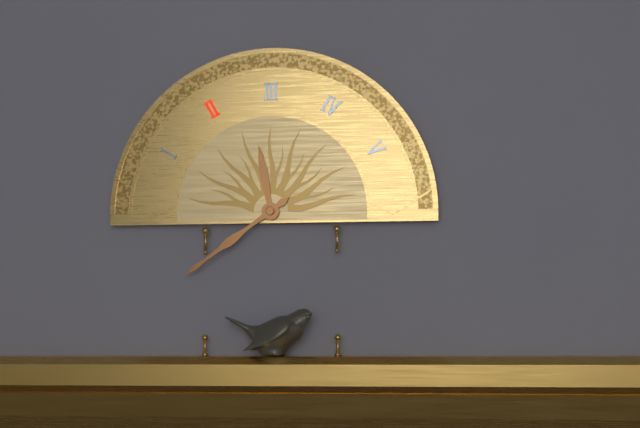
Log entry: 11h39
